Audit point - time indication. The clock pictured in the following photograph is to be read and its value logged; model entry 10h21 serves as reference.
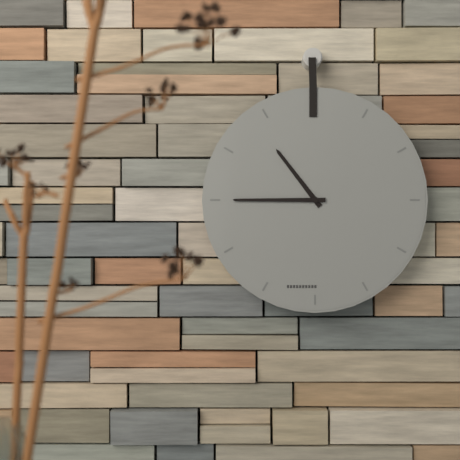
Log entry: 10h45
